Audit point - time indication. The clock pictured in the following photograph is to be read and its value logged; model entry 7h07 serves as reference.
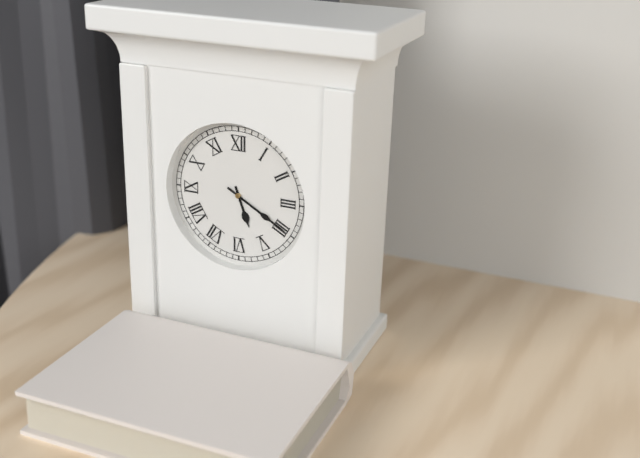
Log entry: 5h20
